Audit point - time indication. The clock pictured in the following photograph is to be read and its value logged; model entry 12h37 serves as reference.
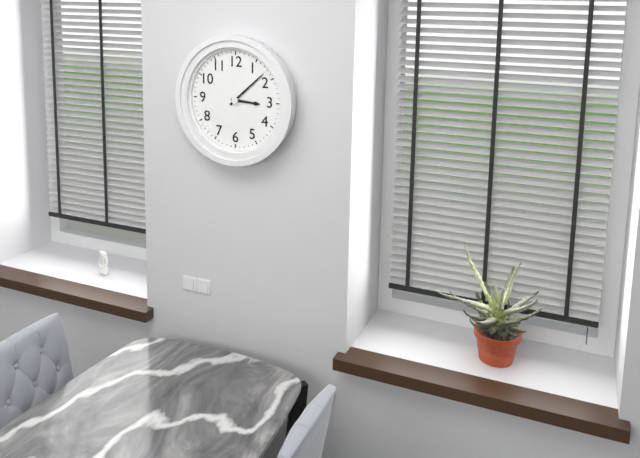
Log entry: 3h08
